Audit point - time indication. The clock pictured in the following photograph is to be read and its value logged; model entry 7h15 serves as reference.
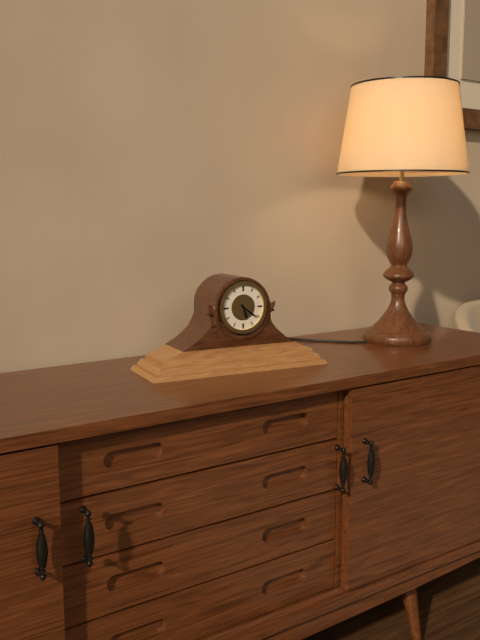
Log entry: 5h21
